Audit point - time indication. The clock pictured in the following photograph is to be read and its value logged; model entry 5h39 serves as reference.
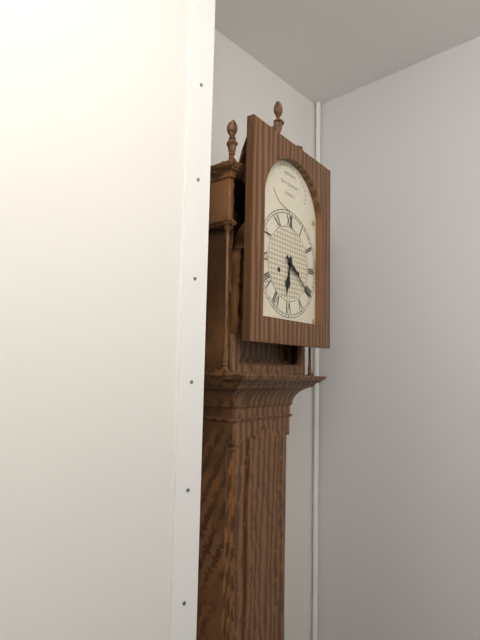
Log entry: 6h21
